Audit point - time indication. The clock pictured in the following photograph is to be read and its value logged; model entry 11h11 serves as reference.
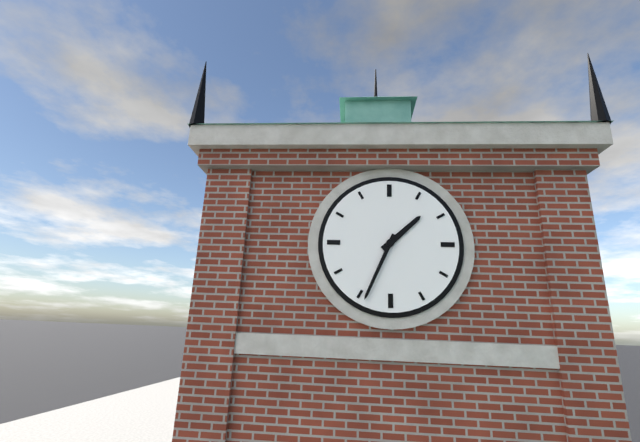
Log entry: 1h34
